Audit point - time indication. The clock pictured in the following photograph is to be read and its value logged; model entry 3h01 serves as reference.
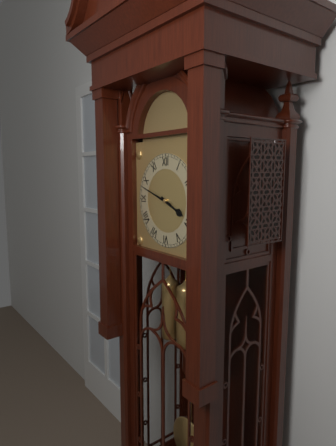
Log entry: 3h48
